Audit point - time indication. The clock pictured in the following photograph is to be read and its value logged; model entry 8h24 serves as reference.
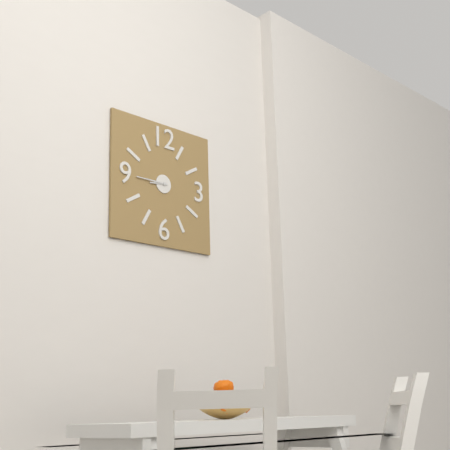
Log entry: 8h45
